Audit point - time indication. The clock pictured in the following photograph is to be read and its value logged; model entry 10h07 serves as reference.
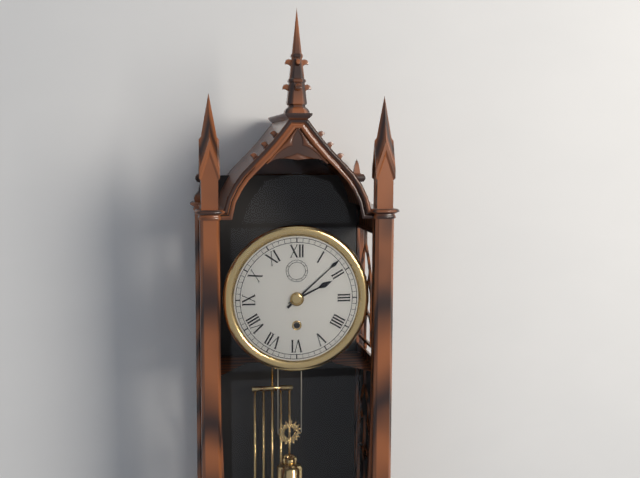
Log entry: 2h08
